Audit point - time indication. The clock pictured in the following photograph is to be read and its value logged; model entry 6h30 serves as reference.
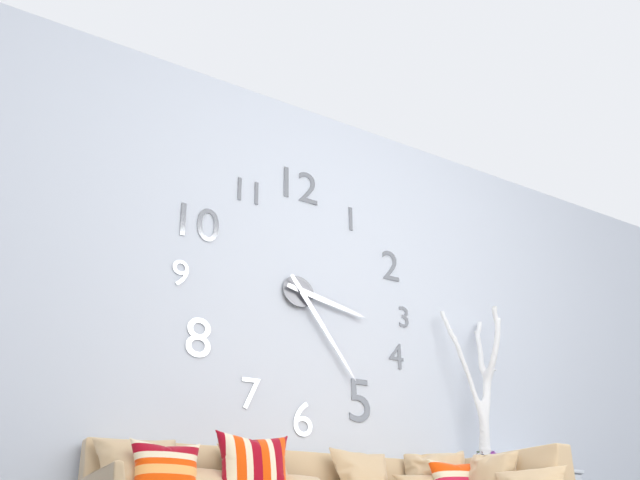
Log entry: 3h24
